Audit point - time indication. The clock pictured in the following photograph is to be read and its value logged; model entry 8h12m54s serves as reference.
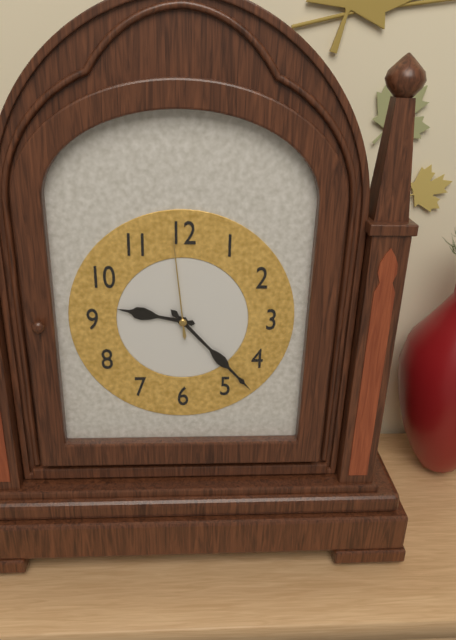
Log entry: 9h23m59s
